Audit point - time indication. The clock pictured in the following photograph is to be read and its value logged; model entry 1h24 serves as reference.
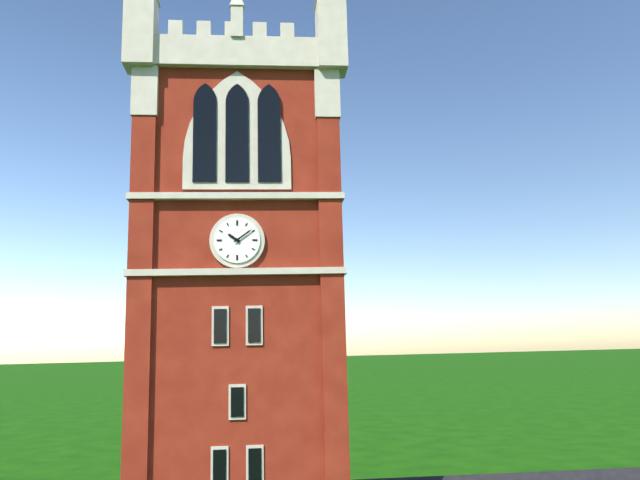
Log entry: 10h09
